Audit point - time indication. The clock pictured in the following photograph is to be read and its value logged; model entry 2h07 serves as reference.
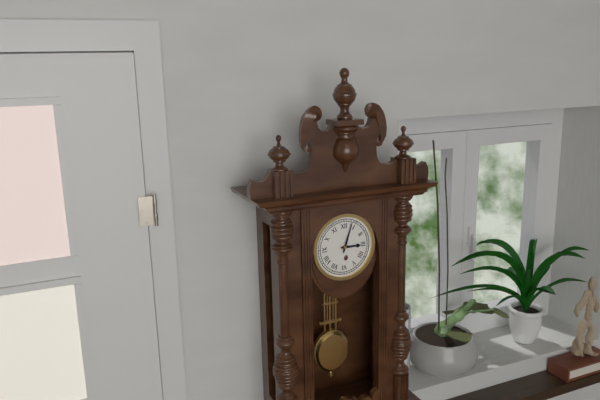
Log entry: 3h03
